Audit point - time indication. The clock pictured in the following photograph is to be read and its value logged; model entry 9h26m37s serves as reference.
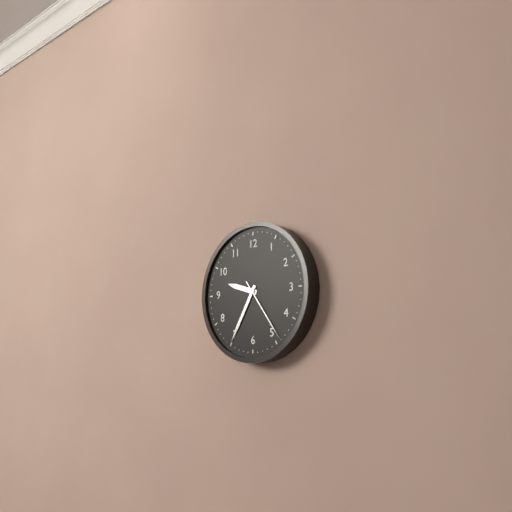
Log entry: 9h35m24s
